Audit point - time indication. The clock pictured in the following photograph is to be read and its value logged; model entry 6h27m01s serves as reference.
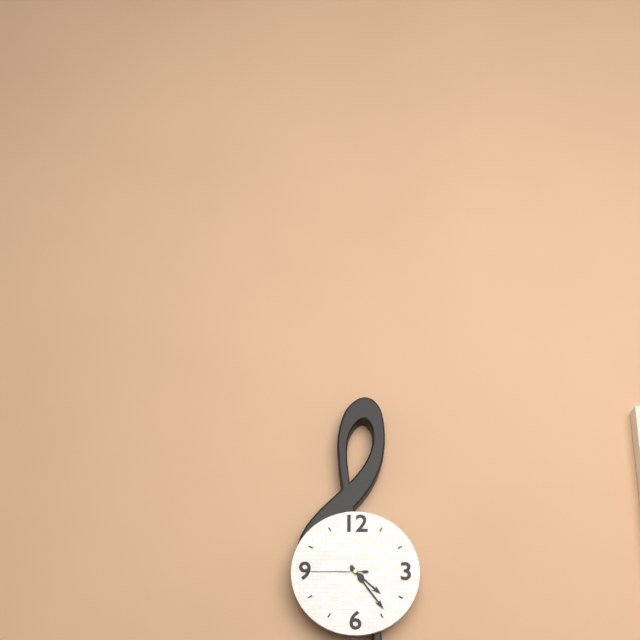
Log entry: 4h24m45s
